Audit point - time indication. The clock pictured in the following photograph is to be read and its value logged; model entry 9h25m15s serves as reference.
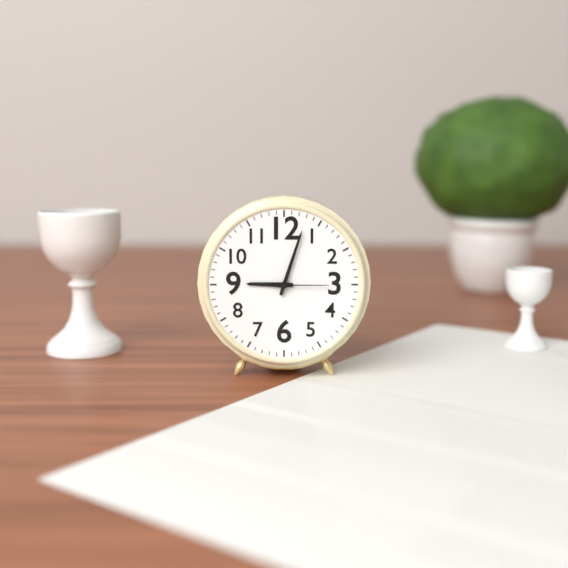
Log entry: 9h03m15s
